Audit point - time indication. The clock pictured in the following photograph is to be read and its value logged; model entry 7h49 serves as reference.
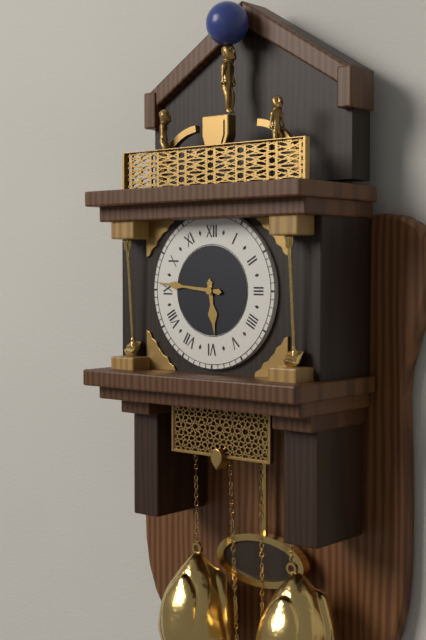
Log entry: 5h46
